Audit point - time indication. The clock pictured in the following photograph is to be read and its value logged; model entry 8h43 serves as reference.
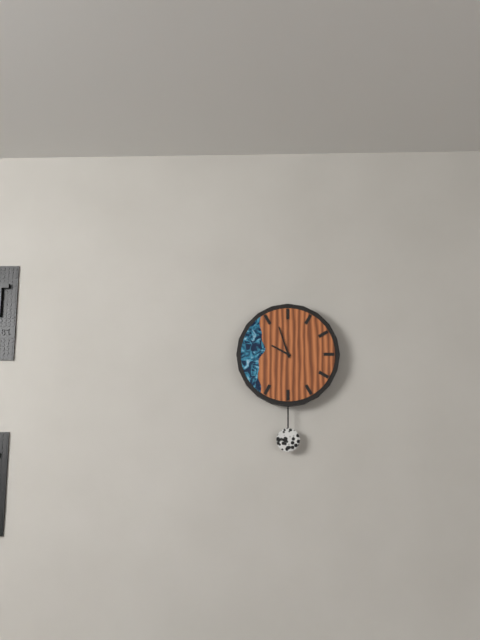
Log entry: 9h57
